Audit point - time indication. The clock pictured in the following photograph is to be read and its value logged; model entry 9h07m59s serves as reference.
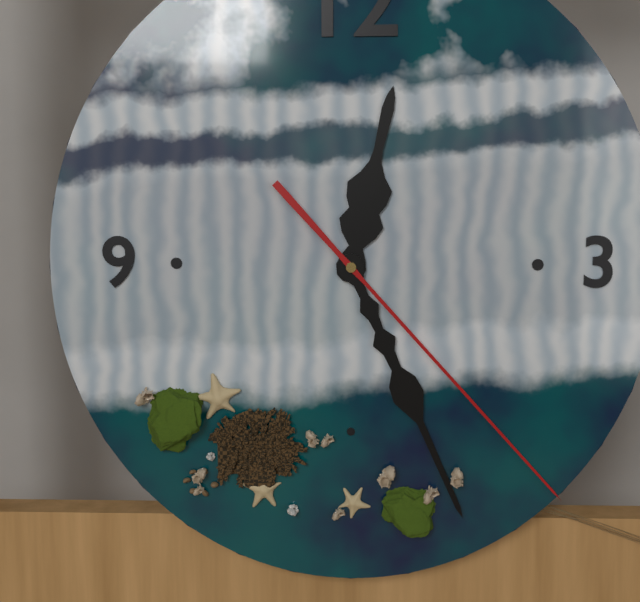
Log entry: 12h26m23s
